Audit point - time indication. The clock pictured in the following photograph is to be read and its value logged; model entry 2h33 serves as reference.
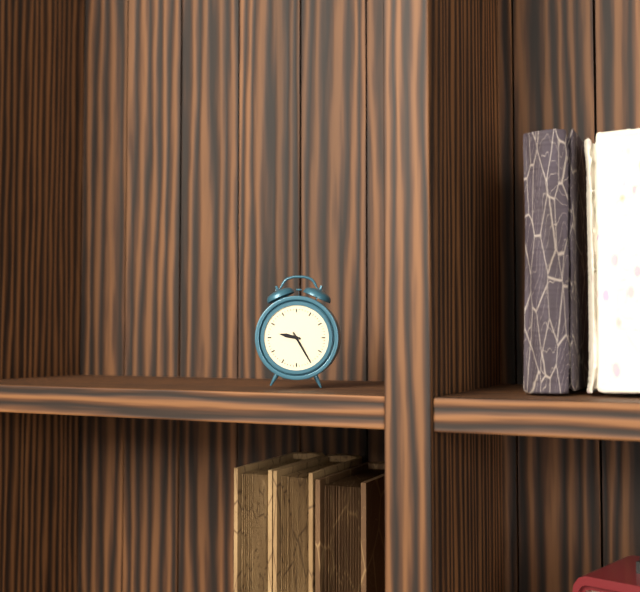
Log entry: 9h25
